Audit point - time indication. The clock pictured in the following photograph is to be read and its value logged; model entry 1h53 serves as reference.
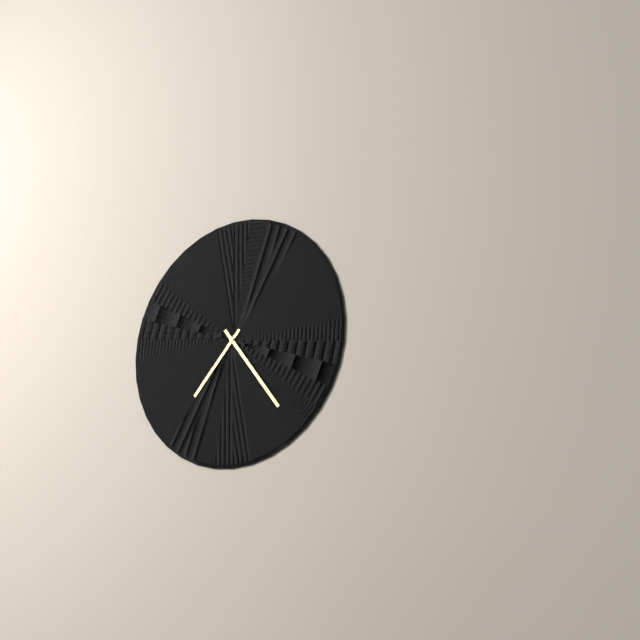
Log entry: 7h24
